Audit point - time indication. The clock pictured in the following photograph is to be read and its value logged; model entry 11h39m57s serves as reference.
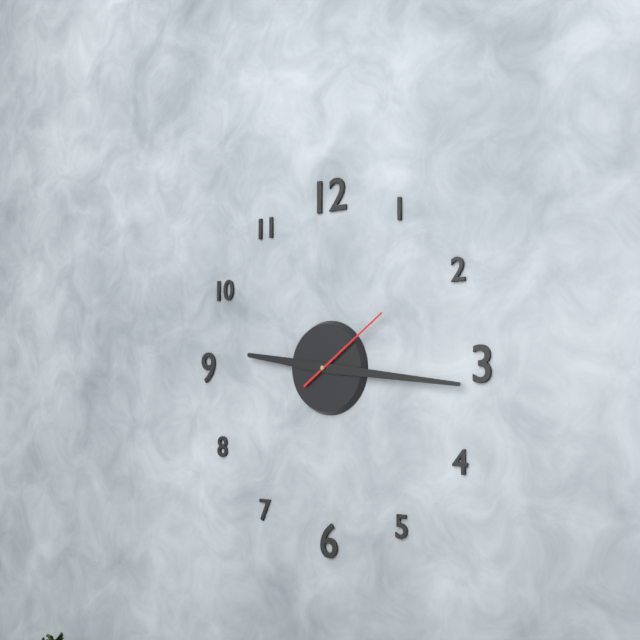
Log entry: 9h16m09s
